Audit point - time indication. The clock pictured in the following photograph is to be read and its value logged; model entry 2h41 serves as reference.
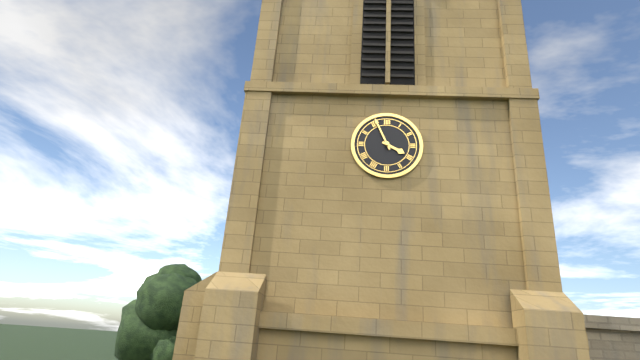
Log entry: 3h56
